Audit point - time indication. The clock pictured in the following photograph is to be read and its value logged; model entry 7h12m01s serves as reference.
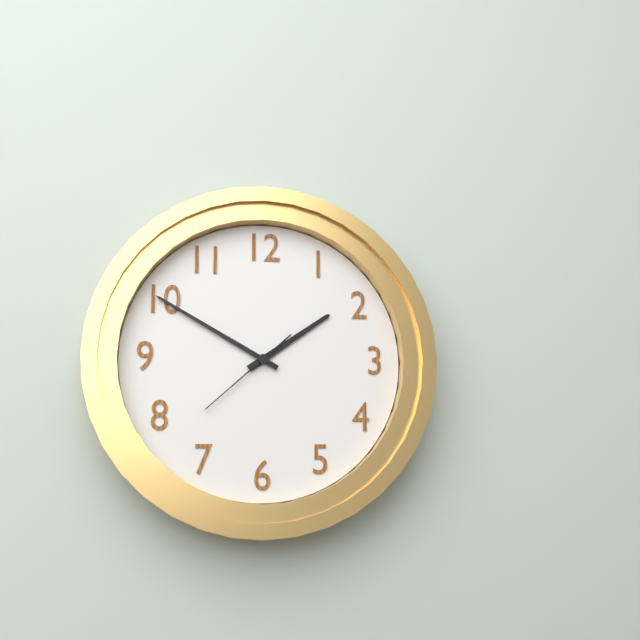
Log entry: 1h50m38s
